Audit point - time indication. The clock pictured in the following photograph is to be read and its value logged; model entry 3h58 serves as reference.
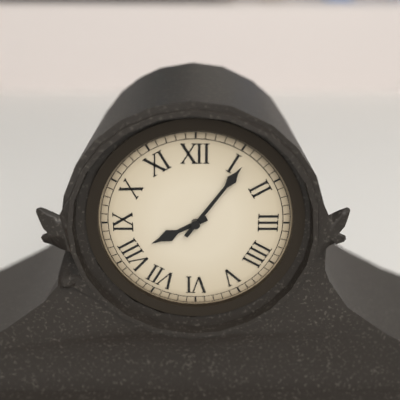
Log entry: 8h06
